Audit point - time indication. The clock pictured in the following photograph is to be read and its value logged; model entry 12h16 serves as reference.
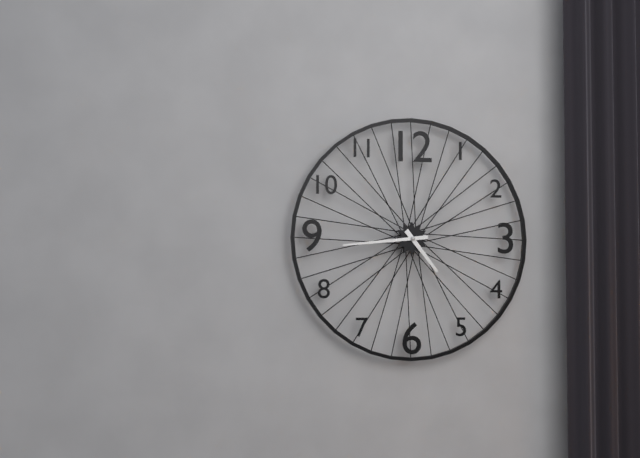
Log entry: 4h44
